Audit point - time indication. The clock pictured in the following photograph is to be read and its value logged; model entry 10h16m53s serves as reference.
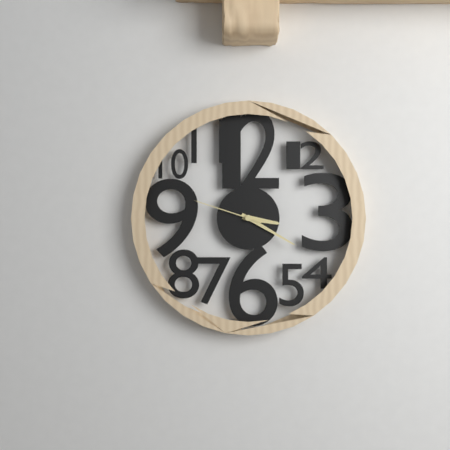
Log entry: 3h20m48s
